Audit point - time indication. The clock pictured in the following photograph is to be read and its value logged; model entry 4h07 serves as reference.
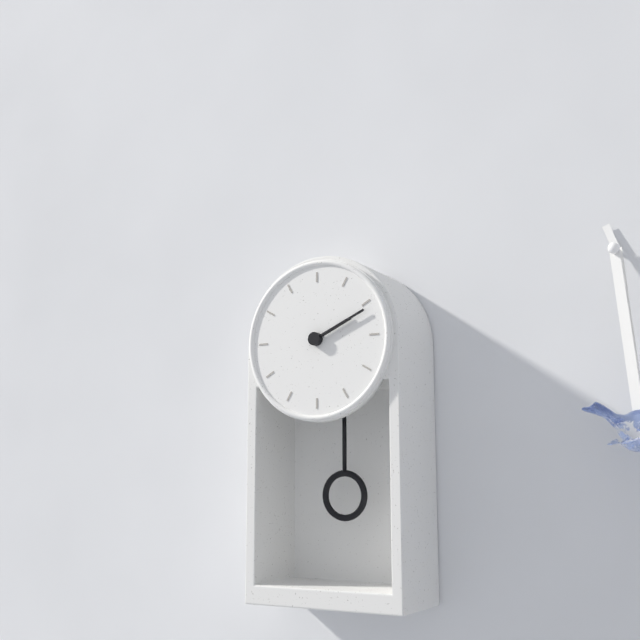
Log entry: 2h11
